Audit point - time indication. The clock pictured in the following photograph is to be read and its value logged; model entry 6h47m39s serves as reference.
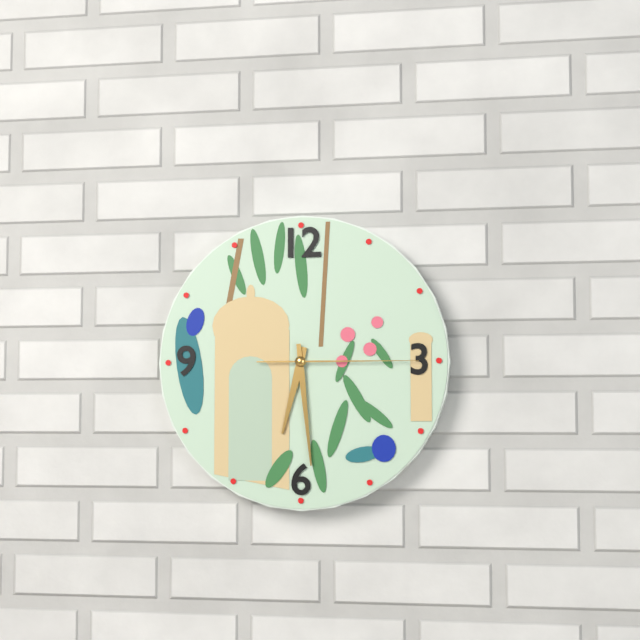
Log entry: 6h29m15s
